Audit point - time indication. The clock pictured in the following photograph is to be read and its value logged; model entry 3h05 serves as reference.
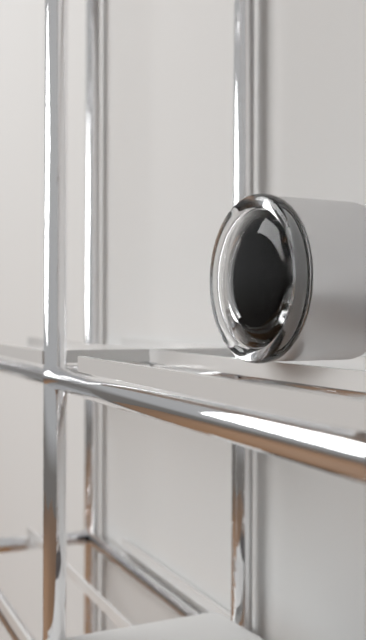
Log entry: 8h47
